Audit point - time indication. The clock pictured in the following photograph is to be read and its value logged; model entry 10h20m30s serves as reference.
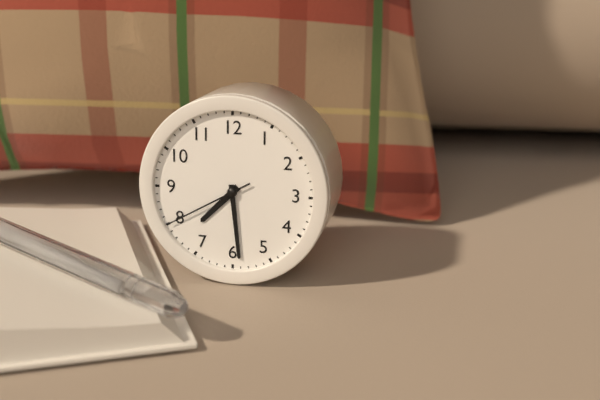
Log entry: 7h29m40s
